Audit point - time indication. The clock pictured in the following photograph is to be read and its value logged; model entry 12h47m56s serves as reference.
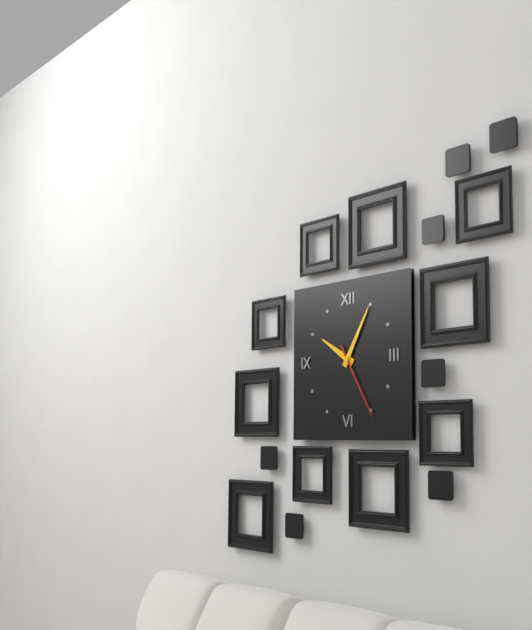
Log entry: 10h05m25s
